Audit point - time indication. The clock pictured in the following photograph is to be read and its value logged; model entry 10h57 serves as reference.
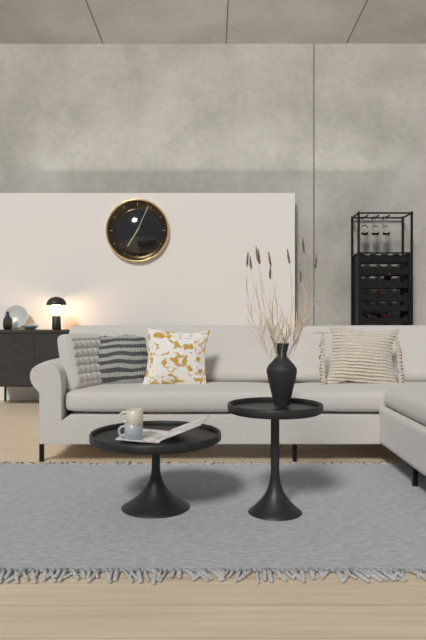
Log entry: 7h04
